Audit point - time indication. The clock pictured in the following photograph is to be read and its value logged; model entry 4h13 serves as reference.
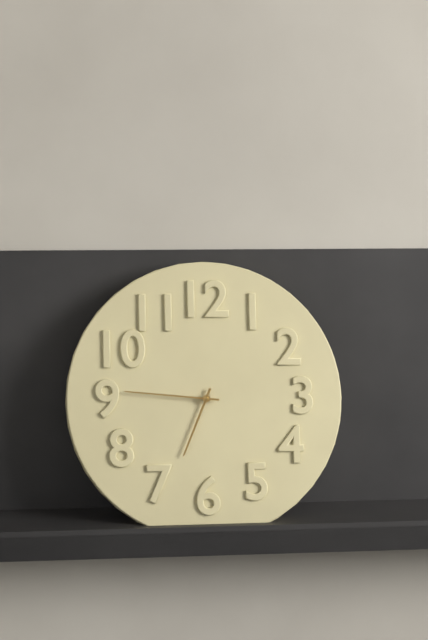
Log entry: 6h46
